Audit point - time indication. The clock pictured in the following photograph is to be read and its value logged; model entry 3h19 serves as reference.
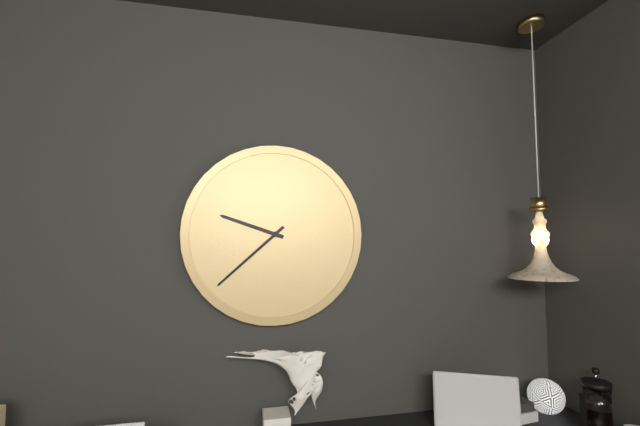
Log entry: 9h38
